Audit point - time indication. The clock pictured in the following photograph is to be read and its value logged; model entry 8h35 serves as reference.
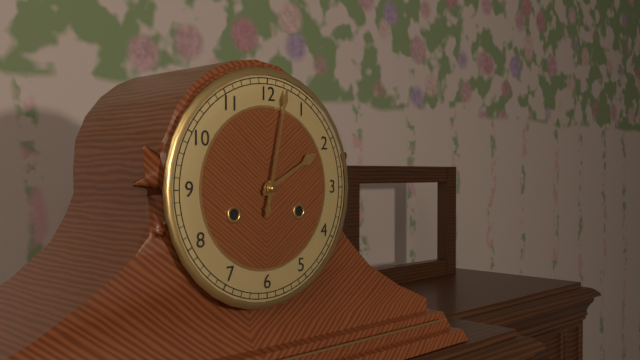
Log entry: 2h02
